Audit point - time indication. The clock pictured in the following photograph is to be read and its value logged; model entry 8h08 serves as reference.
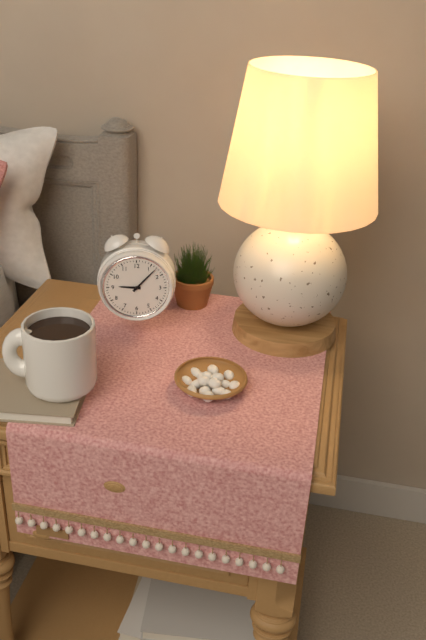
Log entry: 9h07
